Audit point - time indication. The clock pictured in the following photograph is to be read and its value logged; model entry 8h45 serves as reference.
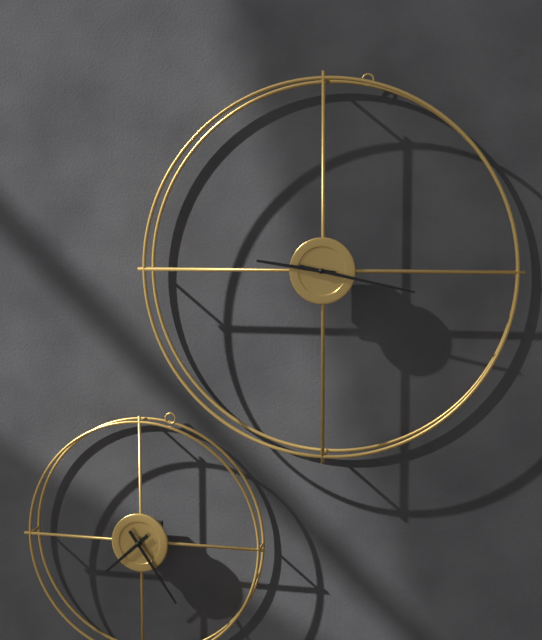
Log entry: 9h17
